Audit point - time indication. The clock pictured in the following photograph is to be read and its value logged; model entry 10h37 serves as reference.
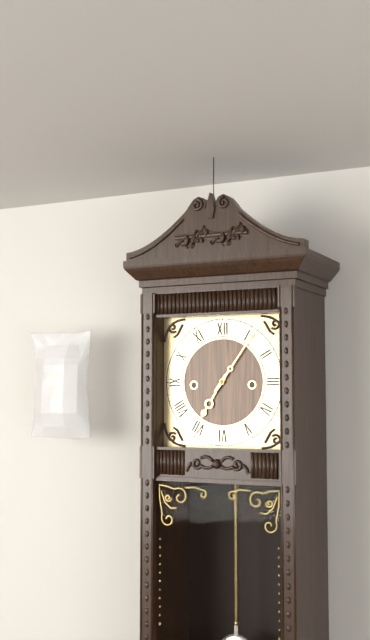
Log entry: 7h06
